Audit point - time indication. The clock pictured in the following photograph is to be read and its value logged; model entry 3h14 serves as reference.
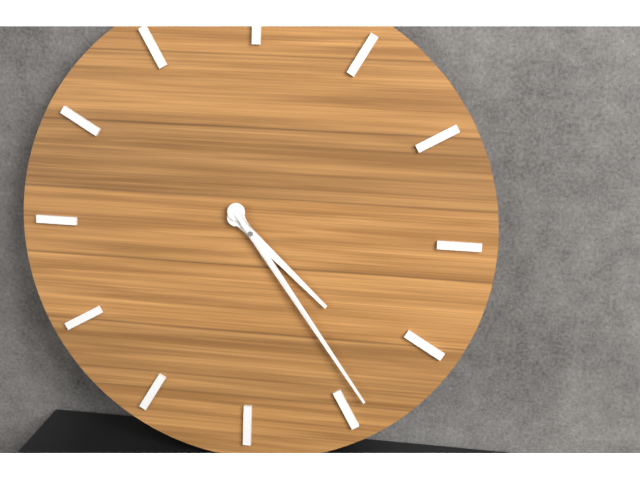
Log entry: 4h24
